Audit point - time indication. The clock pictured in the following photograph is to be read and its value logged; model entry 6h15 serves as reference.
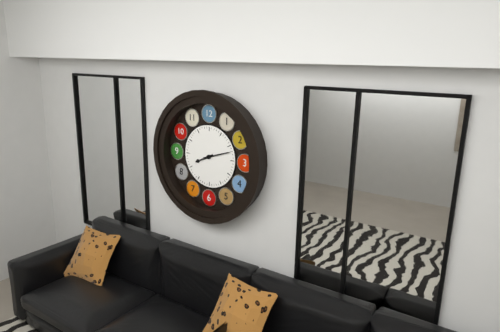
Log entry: 8h12
